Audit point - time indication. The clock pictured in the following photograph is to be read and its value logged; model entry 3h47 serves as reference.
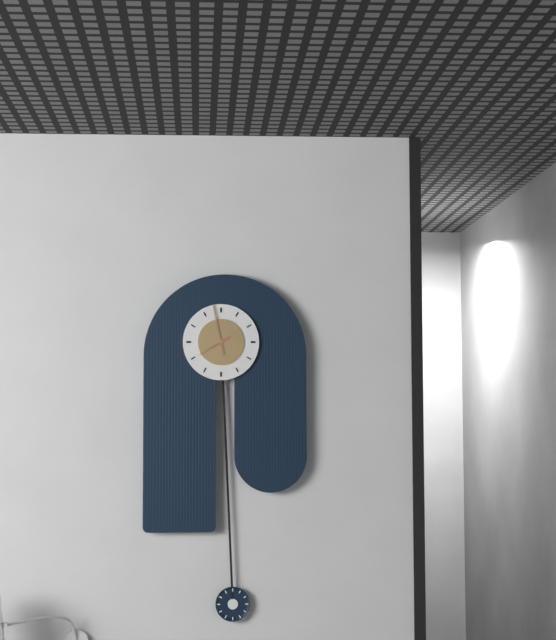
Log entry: 7h58
